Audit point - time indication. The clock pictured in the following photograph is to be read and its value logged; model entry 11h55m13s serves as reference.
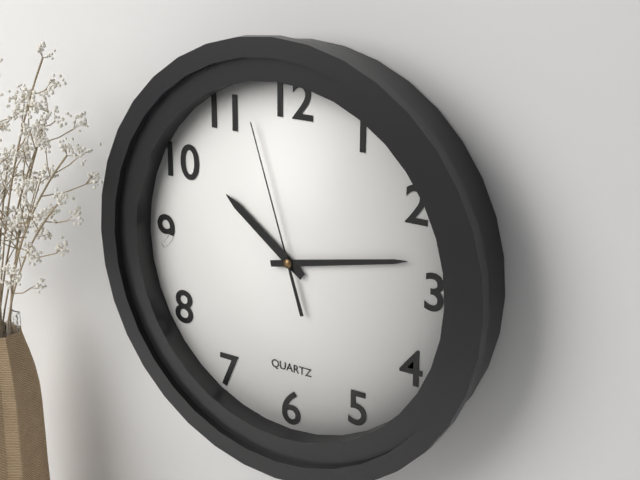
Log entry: 10h13m57s
